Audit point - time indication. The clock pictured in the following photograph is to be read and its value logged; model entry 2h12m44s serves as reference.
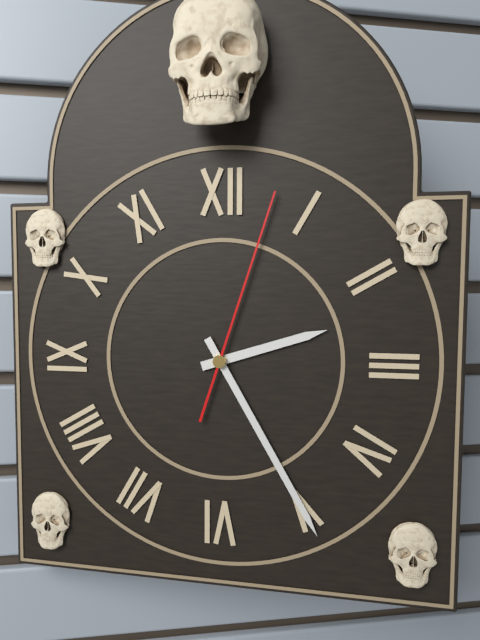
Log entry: 2h25m03s
